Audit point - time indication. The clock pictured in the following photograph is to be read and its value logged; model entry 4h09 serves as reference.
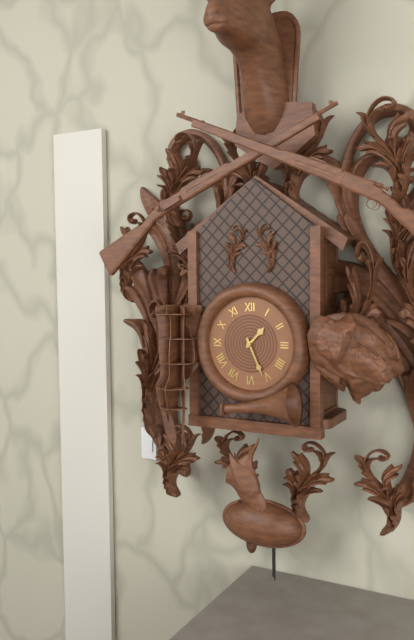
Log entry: 1h26
